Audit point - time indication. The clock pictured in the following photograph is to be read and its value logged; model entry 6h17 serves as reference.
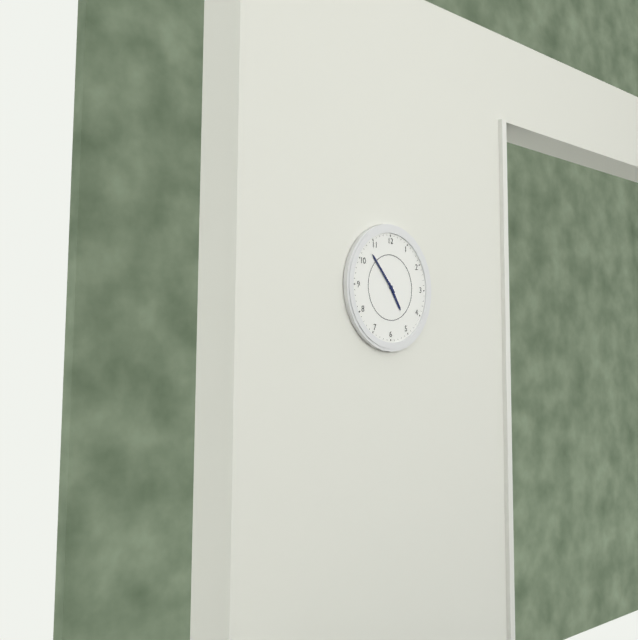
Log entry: 4h53
